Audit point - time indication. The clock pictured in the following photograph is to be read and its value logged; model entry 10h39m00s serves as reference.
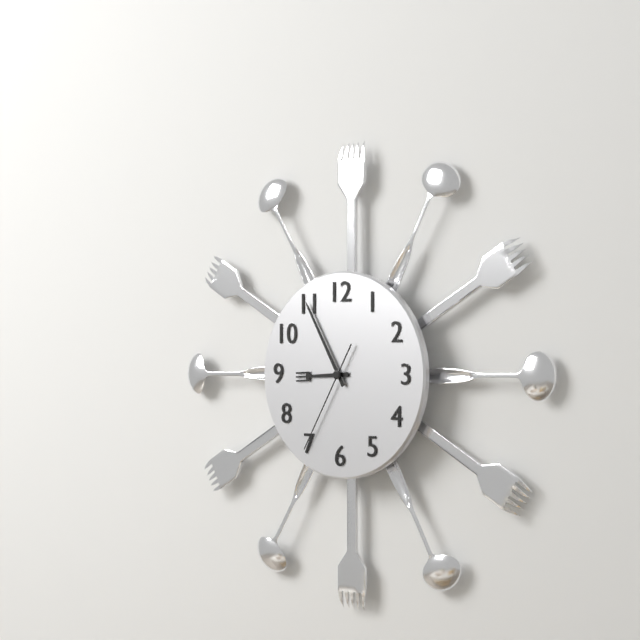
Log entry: 8h55m35s
